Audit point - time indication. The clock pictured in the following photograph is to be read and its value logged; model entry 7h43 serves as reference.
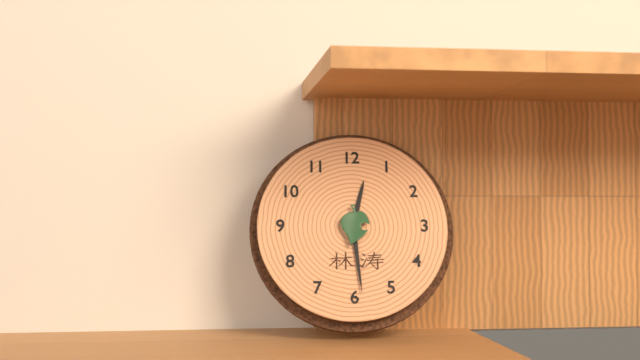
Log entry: 12h29
